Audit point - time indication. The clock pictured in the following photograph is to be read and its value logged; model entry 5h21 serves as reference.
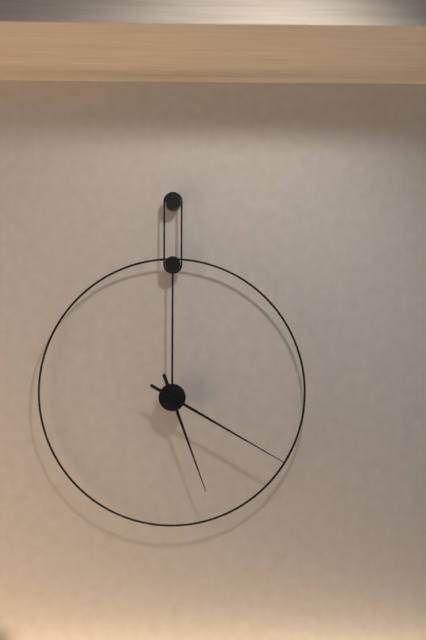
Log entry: 5h20
